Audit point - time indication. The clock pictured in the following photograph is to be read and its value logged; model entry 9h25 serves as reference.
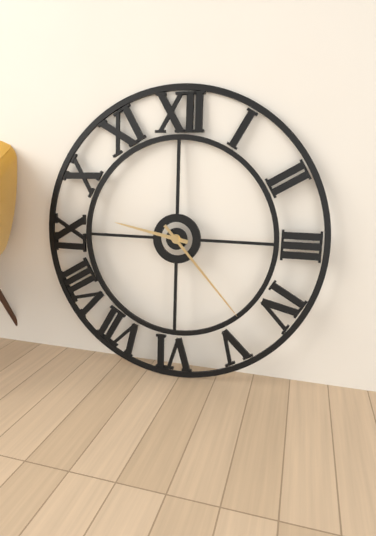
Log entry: 9h23
